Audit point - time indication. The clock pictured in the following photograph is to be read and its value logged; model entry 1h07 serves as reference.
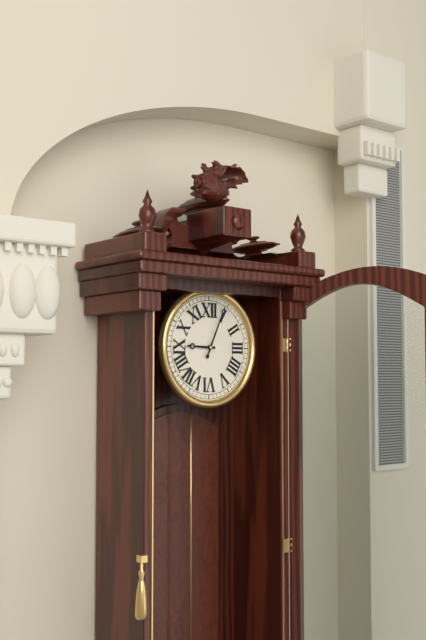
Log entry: 9h04
